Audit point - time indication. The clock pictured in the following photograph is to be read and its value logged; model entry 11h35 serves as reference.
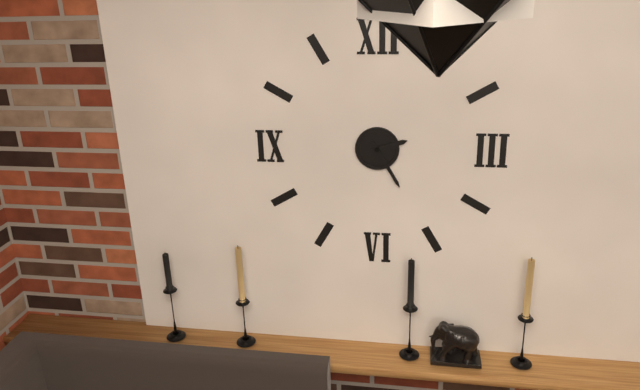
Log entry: 2h25
